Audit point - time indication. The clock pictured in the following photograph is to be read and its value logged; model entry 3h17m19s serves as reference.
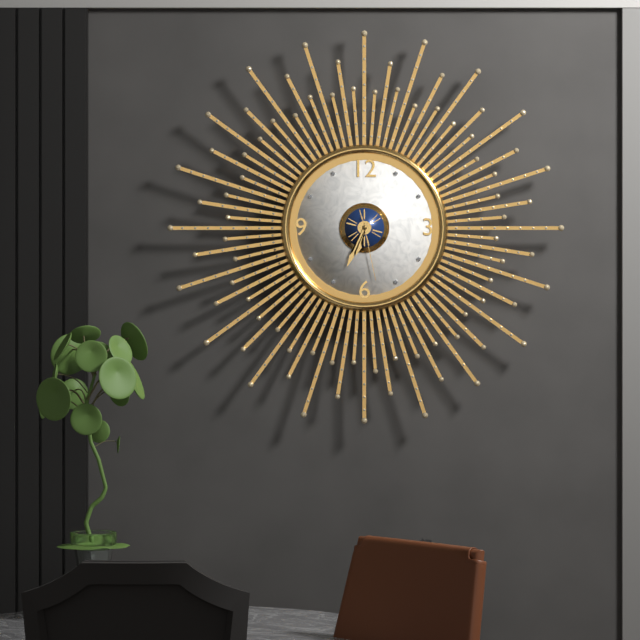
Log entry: 6h34m28s
